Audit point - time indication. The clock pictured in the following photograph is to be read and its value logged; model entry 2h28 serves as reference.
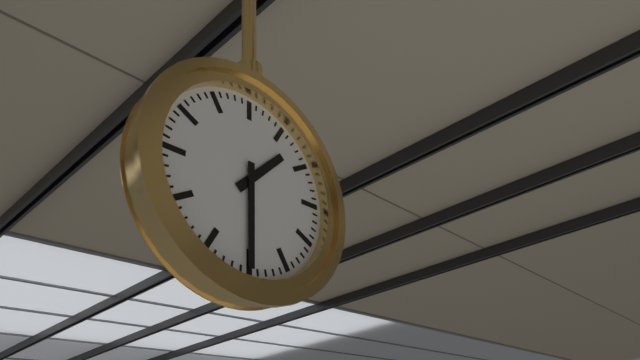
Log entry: 1h30
